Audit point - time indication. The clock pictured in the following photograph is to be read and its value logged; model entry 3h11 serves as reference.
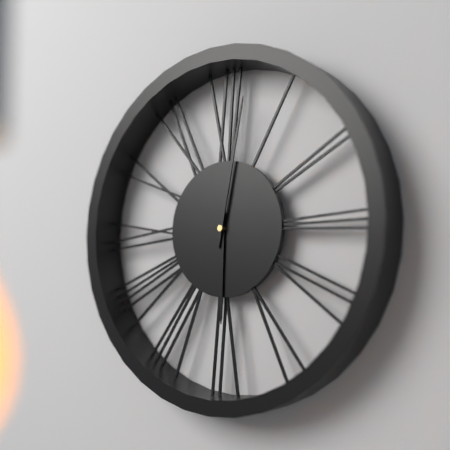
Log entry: 6h02
